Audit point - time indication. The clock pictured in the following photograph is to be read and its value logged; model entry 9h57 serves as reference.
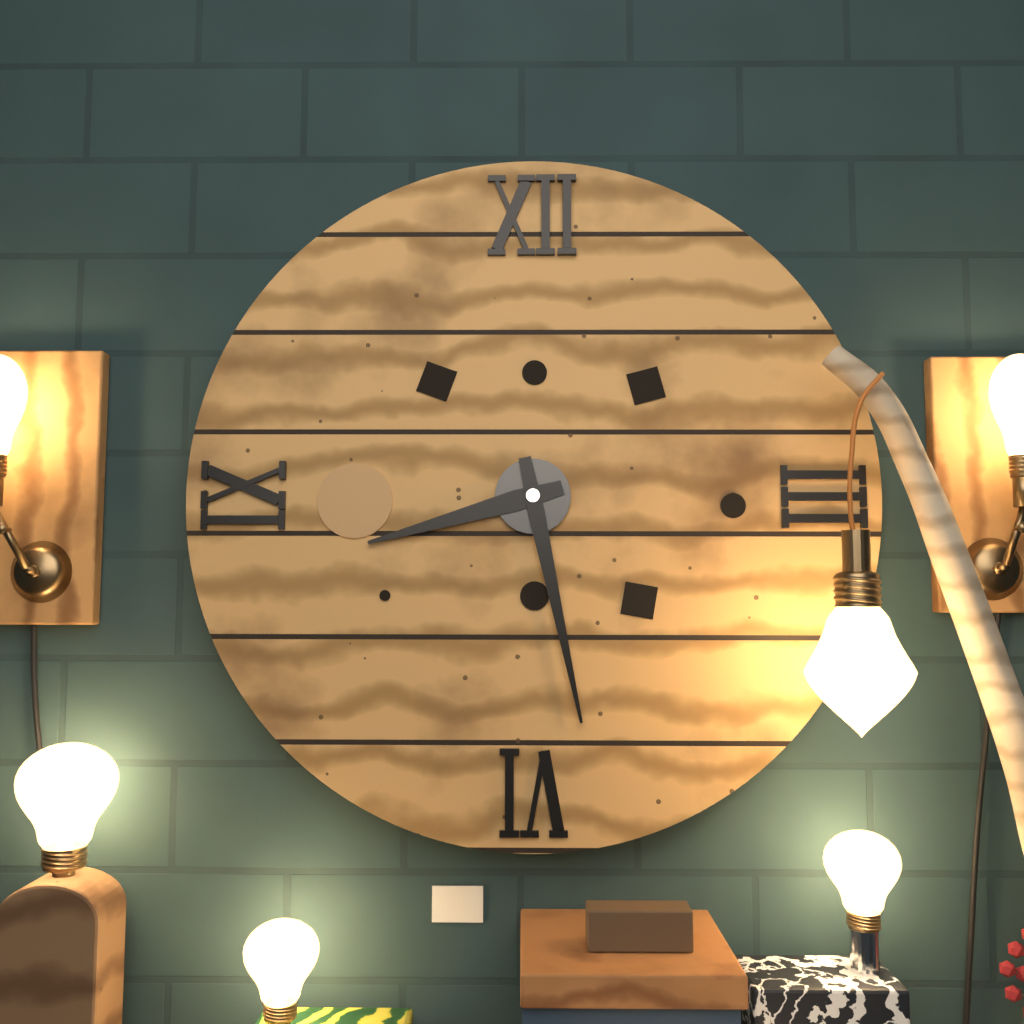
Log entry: 8h28
